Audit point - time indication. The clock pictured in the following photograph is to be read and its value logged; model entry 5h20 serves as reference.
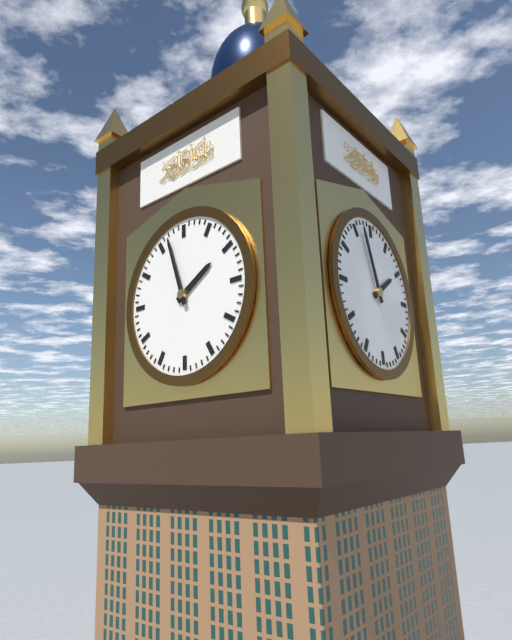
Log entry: 1h57
